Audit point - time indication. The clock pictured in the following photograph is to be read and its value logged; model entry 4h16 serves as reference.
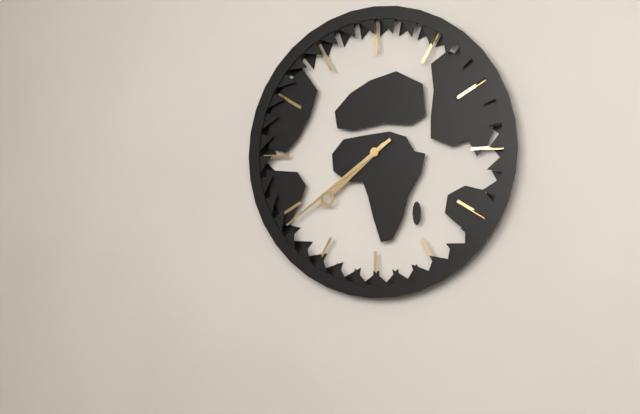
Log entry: 7h39
